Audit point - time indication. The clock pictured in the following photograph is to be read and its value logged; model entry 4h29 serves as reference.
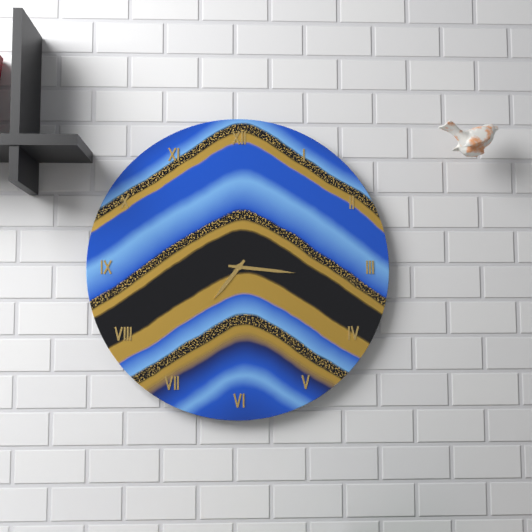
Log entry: 7h16
